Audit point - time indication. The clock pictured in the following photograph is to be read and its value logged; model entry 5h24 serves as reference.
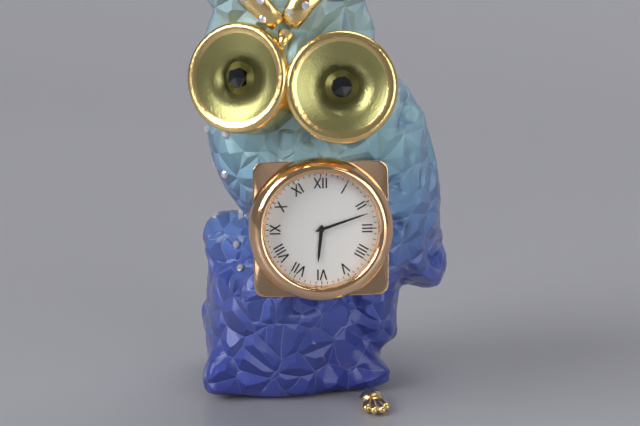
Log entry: 6h12
